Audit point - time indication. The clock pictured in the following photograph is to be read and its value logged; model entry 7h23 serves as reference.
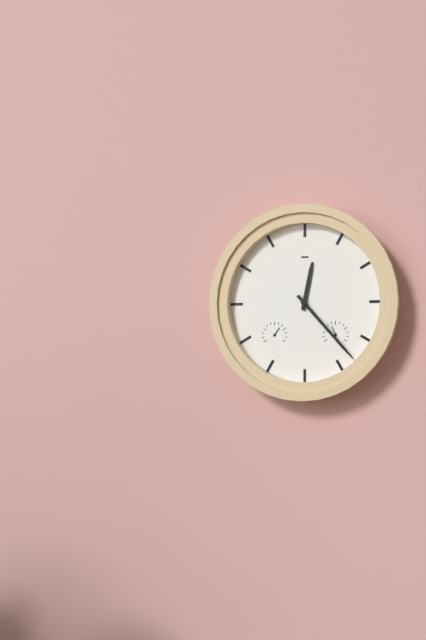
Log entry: 12h23
